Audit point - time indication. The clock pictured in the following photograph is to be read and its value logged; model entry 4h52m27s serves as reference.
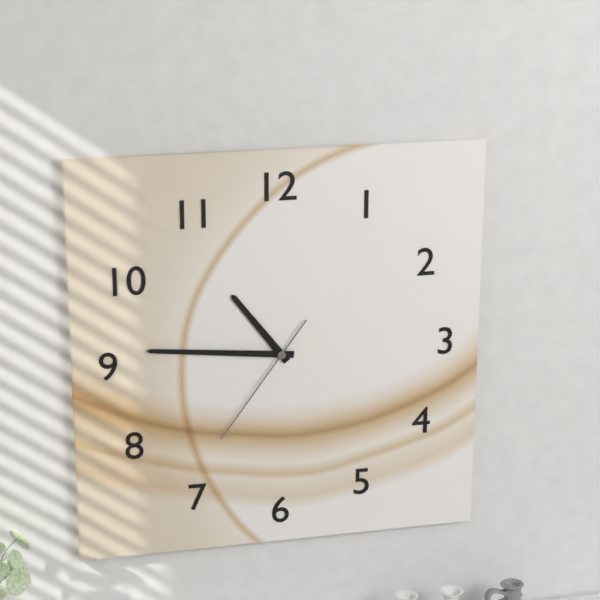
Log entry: 10h46m36s
